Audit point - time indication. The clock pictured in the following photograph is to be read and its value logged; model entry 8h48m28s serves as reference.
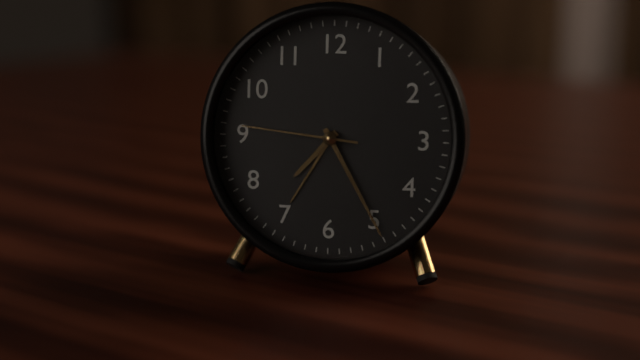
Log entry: 7h25m46s
